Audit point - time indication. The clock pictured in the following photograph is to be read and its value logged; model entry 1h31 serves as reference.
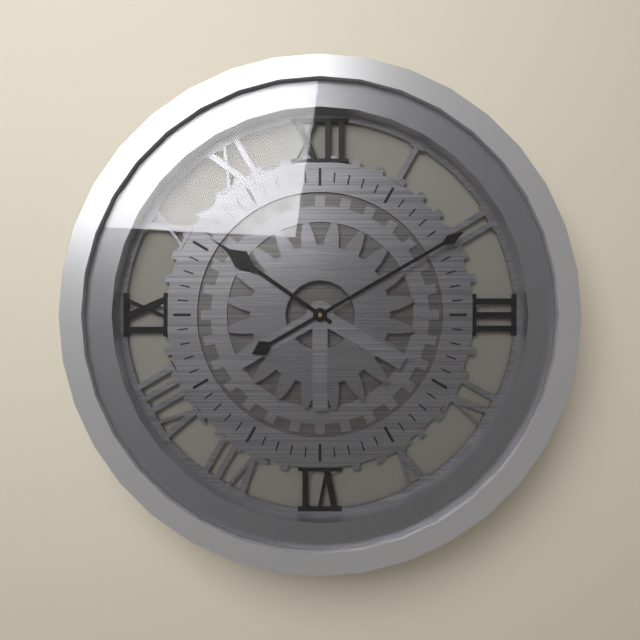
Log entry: 10h10
